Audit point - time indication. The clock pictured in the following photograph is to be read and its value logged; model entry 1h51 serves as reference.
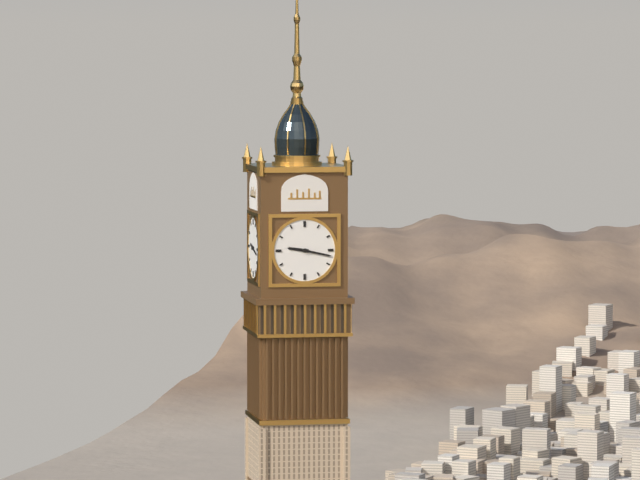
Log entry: 9h17
